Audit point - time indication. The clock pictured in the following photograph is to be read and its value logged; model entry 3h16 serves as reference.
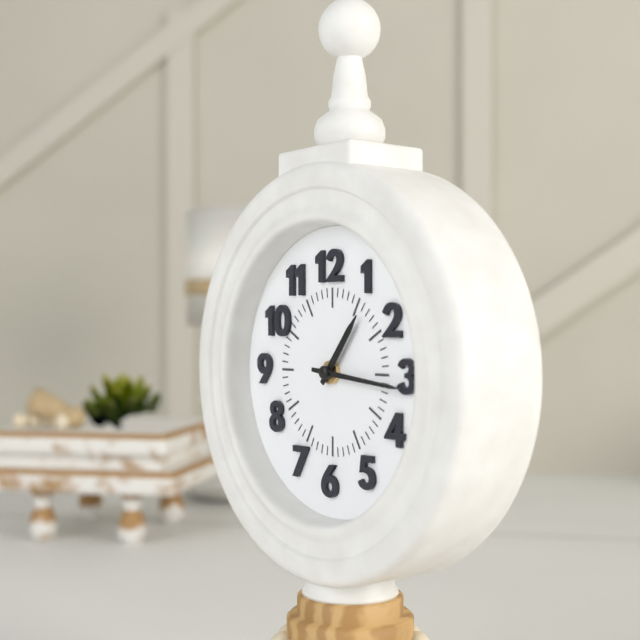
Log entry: 1h16
